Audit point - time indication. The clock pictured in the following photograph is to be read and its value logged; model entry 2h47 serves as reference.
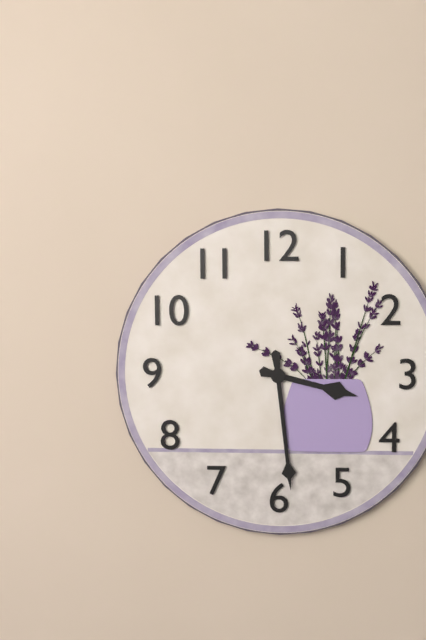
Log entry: 3h29
